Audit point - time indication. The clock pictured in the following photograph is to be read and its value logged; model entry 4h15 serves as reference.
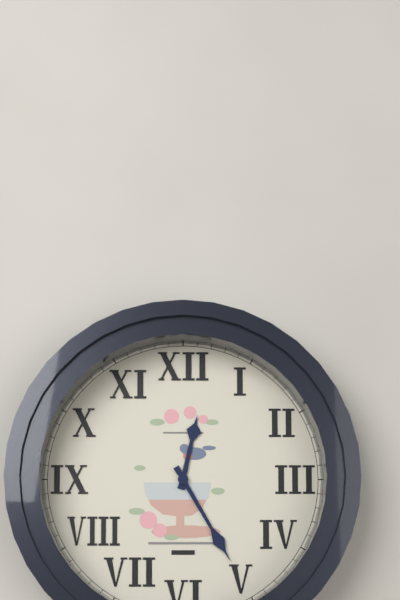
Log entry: 12h25
